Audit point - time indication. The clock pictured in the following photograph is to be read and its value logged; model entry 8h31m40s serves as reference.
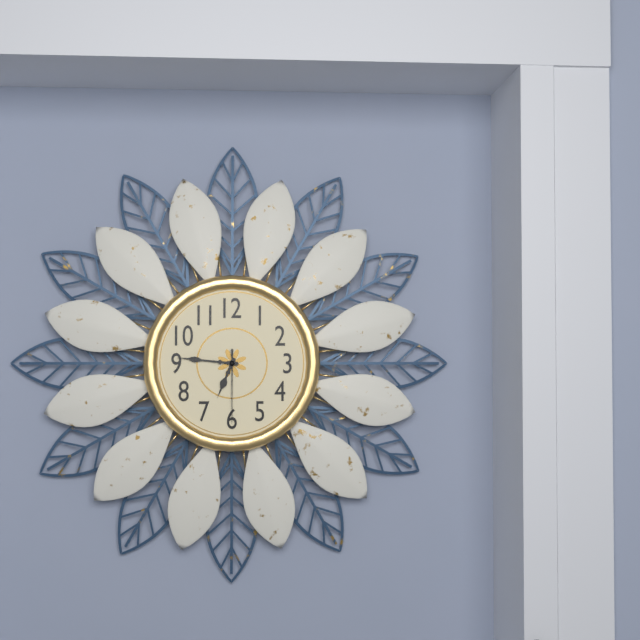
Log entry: 6h46m30s
